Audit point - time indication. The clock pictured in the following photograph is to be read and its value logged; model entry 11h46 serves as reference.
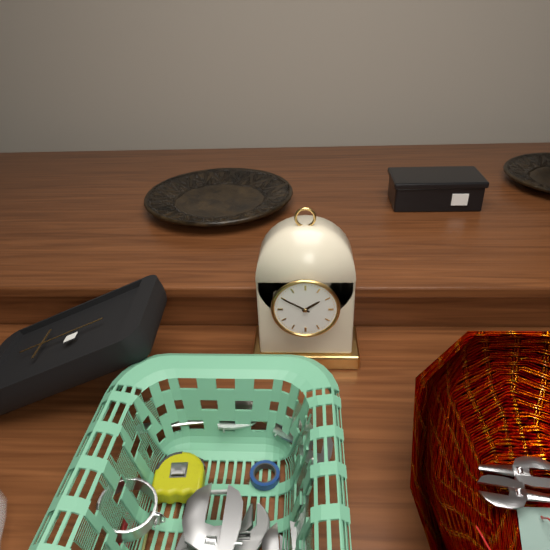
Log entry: 1h50
